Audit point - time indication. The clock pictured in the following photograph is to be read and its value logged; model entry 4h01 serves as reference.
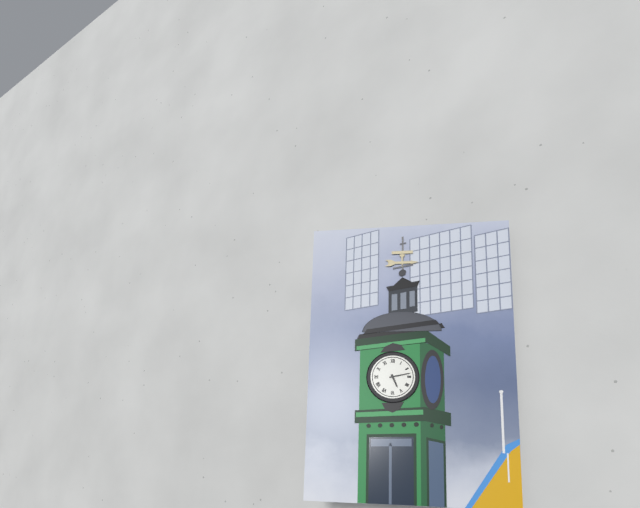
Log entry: 5h13
